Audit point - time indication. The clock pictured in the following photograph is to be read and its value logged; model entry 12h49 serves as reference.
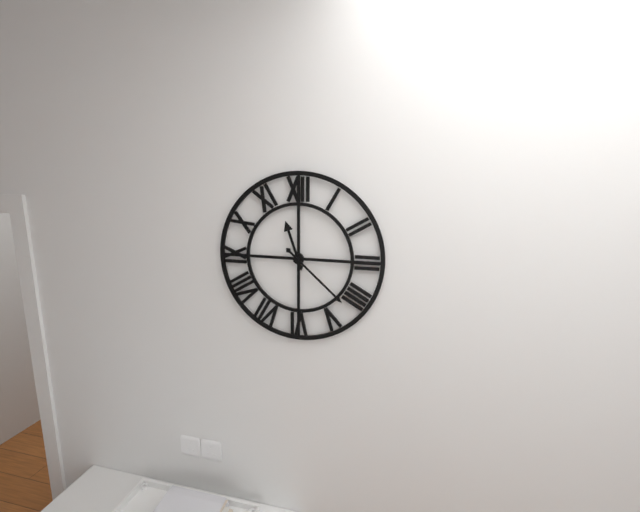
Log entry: 11h22
